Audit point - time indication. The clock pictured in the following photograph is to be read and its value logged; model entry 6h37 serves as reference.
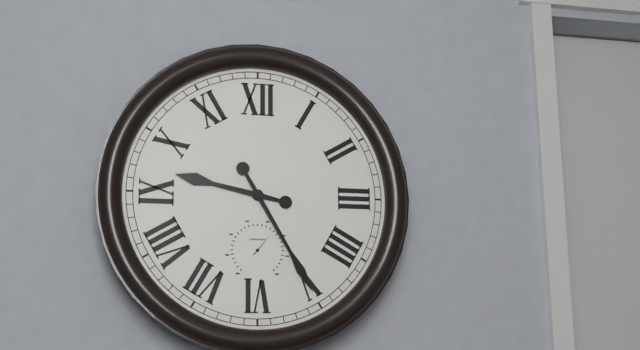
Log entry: 9h25
